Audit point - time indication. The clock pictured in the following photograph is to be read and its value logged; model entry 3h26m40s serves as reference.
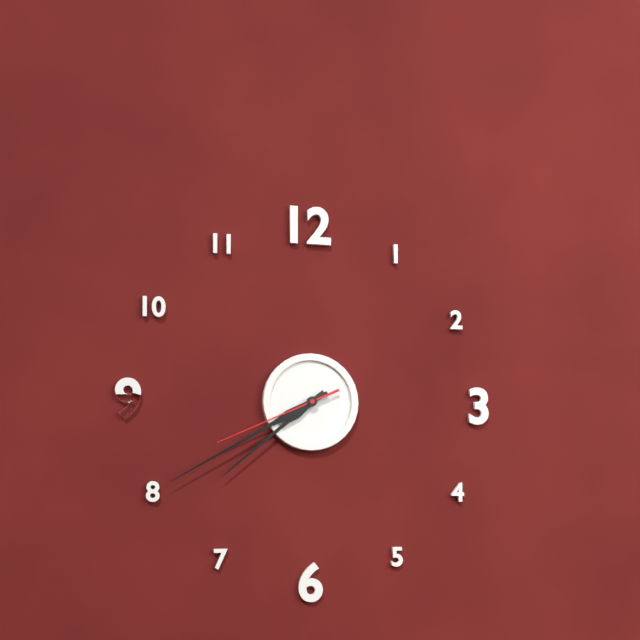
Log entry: 7h40m41s
